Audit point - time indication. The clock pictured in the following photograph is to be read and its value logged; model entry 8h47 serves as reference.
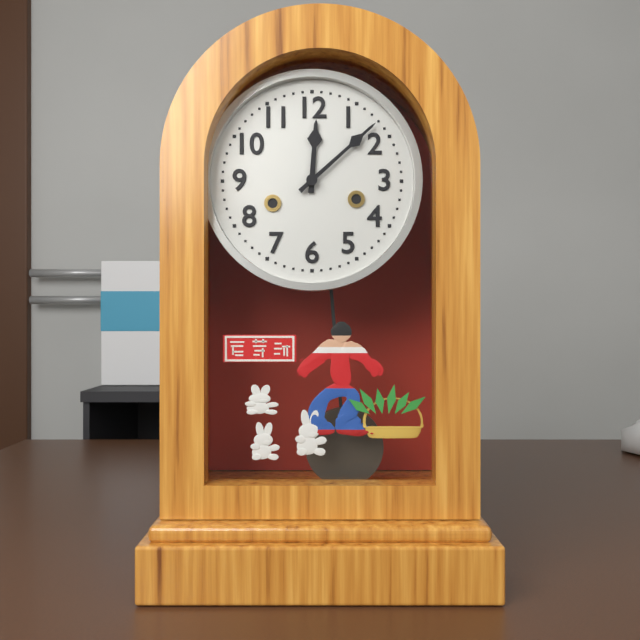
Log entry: 12h08
